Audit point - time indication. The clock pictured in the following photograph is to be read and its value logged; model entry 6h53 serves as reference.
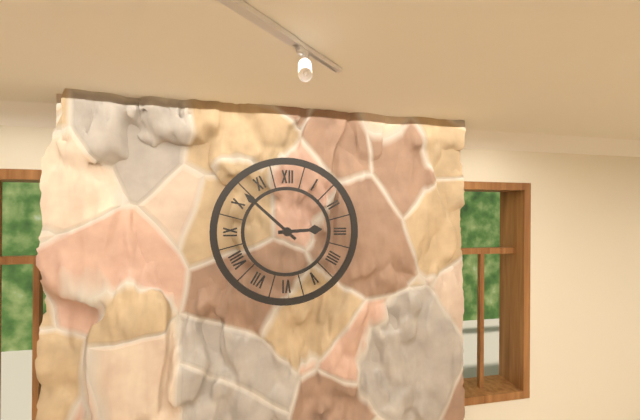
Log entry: 2h52
